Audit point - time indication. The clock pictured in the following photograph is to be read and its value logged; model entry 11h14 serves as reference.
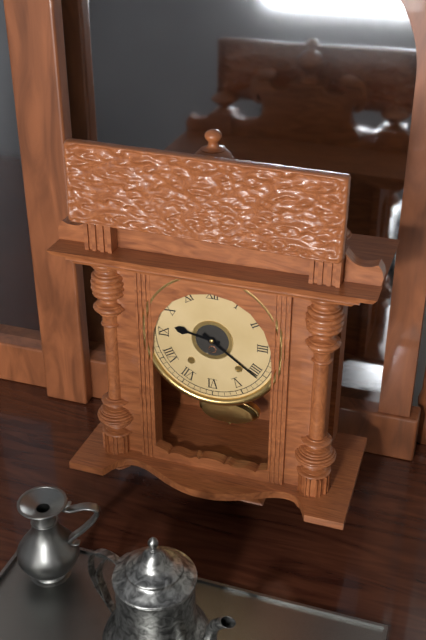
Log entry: 9h21
